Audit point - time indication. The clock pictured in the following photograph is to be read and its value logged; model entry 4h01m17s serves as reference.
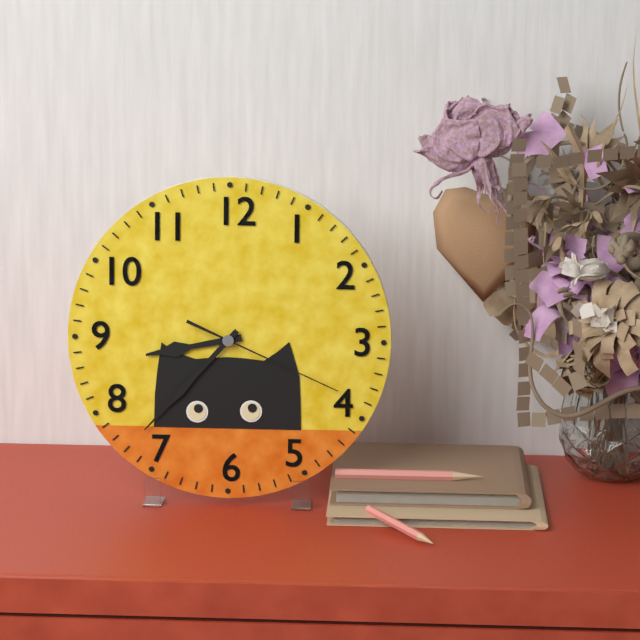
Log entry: 8h37m19s
